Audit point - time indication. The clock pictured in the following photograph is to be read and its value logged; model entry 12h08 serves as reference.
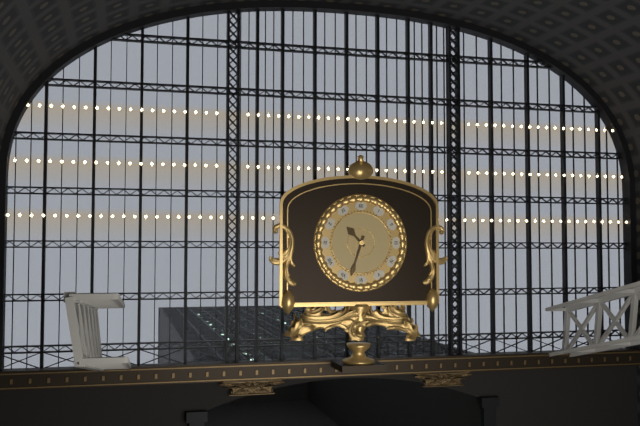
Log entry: 10h33
